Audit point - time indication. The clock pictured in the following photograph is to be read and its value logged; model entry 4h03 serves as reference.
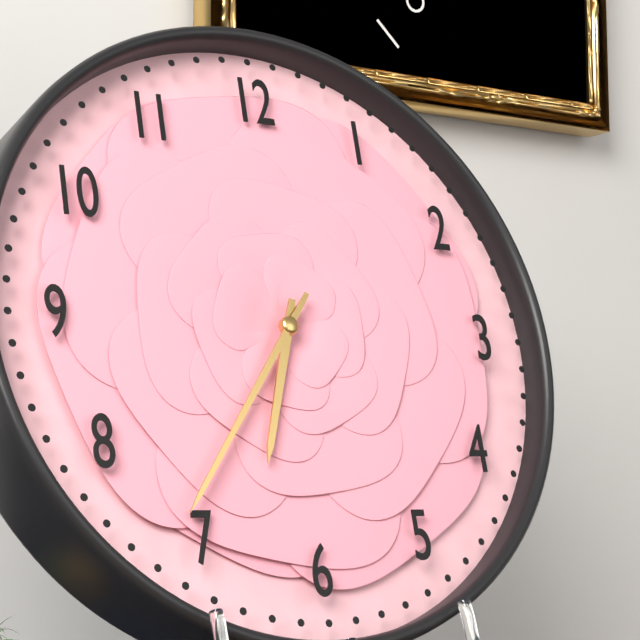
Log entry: 6h36
